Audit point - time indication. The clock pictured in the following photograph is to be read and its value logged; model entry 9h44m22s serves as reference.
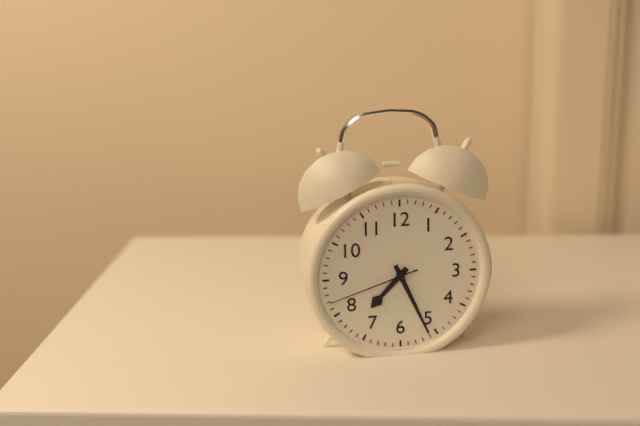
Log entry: 7h26m42s
